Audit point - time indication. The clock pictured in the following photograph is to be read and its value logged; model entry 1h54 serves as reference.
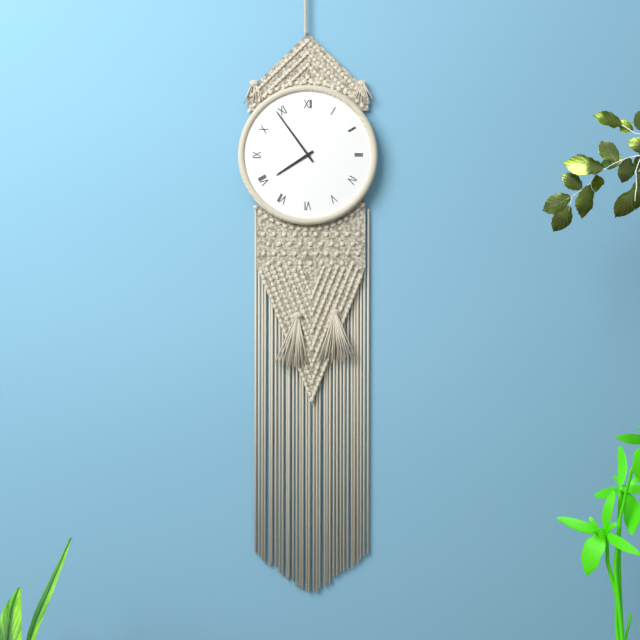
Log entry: 7h54
